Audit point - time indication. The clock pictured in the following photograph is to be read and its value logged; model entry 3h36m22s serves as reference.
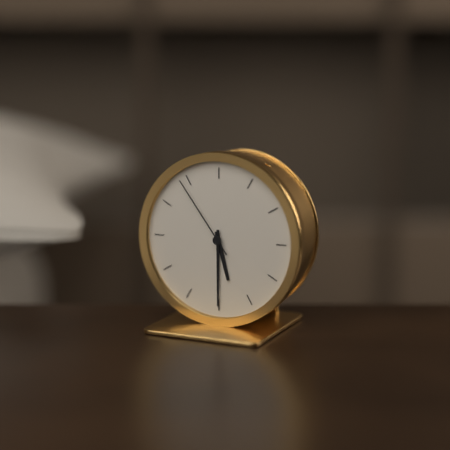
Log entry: 5h30m54s
